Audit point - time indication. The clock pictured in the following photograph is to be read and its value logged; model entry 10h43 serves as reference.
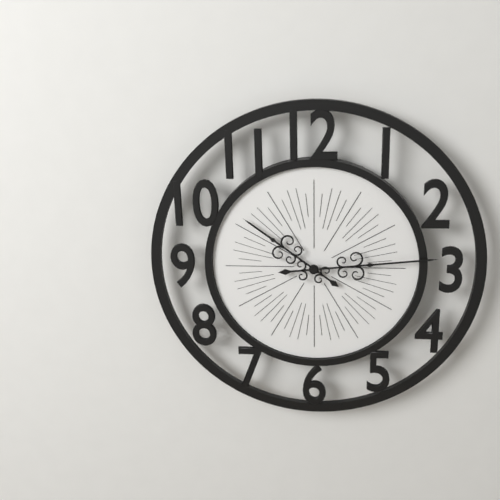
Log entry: 10h14
